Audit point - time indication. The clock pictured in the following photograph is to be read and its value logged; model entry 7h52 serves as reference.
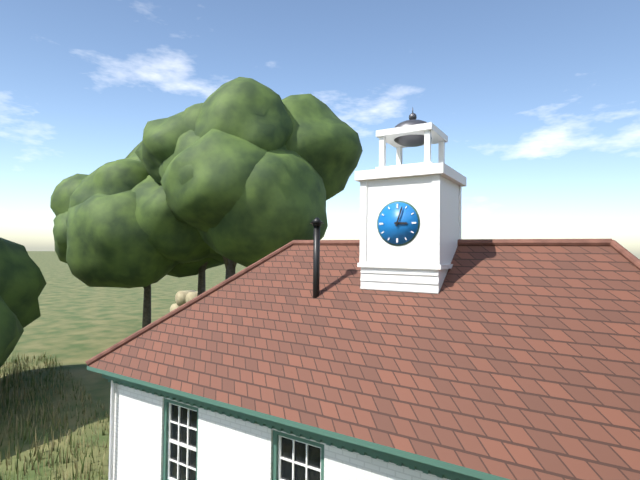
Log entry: 3h03
